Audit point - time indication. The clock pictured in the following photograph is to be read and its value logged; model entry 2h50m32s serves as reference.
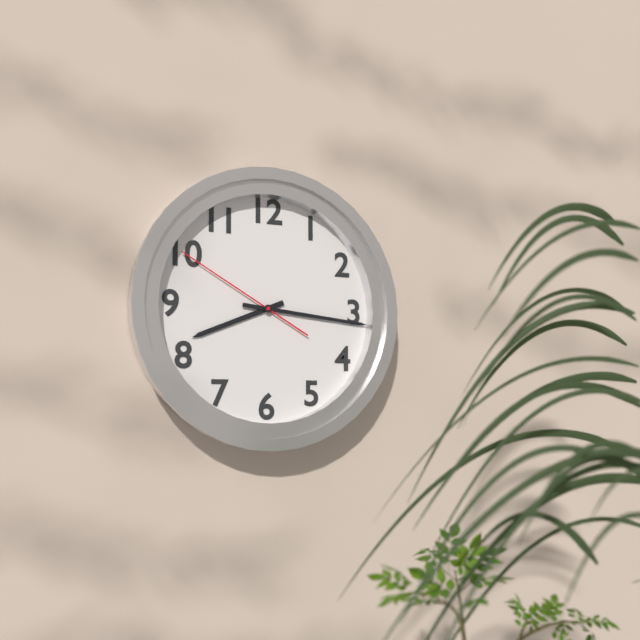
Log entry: 8h16m50s
